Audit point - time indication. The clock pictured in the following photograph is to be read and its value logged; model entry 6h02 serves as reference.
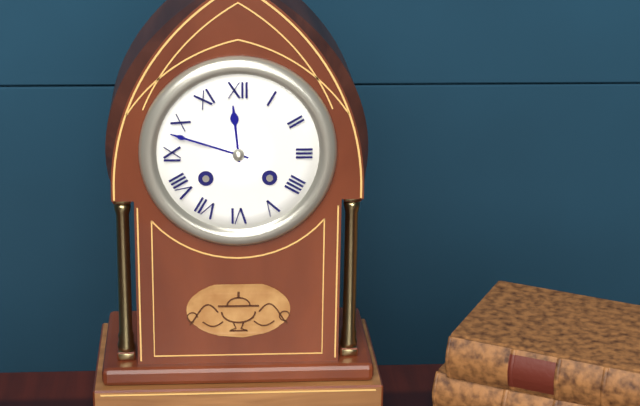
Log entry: 11h48
